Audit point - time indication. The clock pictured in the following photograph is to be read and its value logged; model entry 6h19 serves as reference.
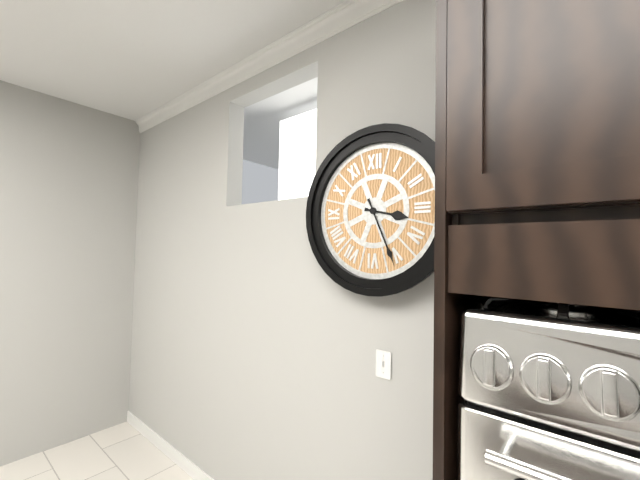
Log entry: 3h26
